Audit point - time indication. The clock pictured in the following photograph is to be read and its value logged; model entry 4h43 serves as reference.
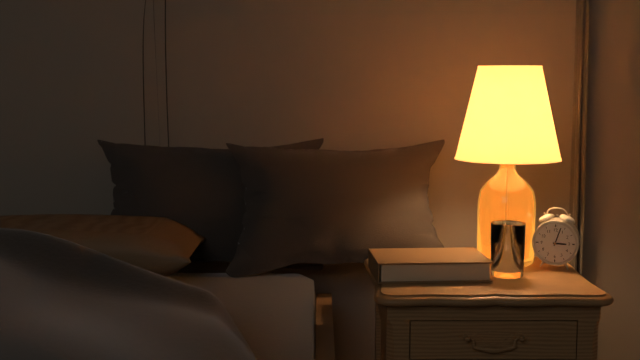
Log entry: 3h03
